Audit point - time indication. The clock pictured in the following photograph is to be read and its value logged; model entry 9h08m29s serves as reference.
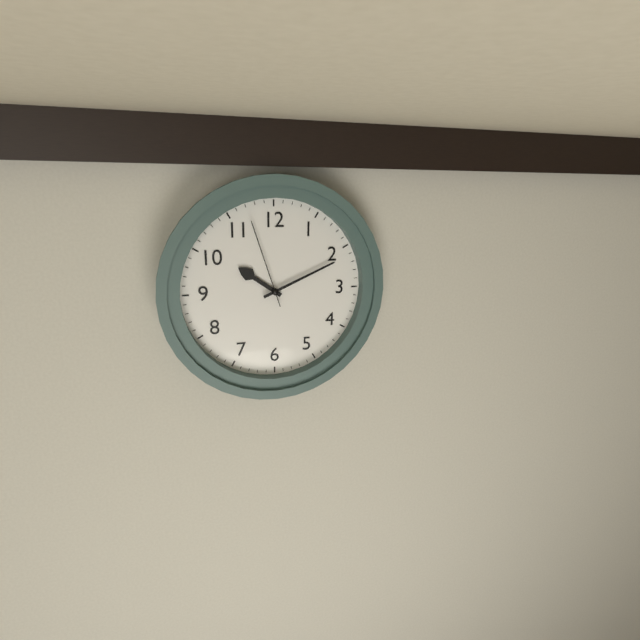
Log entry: 10h11m57s
